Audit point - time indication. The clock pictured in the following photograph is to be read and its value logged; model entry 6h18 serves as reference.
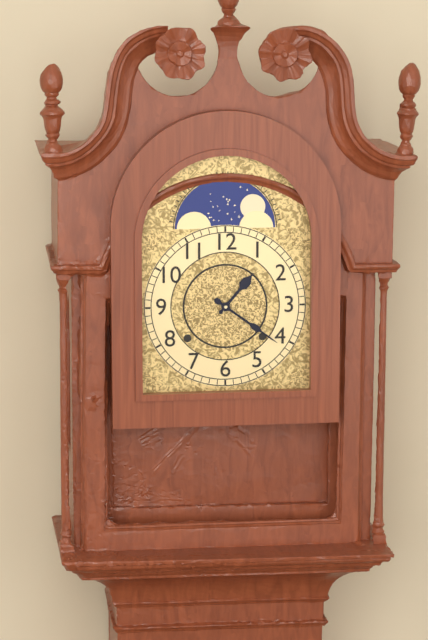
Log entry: 1h21
